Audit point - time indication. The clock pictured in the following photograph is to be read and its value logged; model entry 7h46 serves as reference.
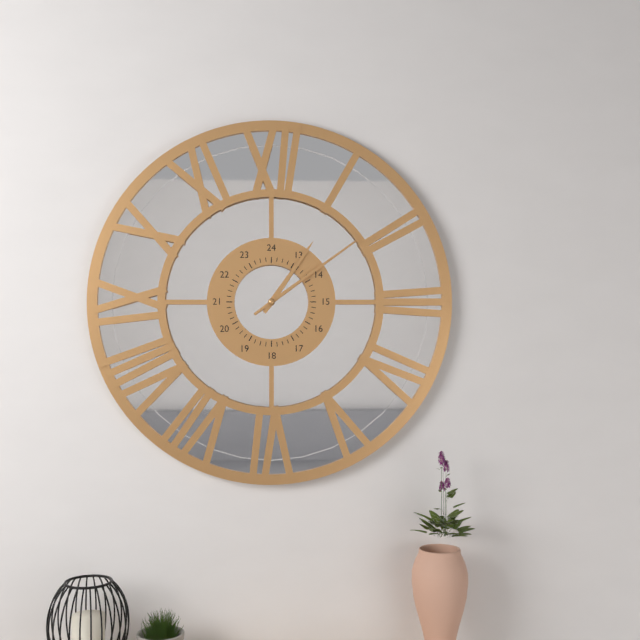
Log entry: 1h09
